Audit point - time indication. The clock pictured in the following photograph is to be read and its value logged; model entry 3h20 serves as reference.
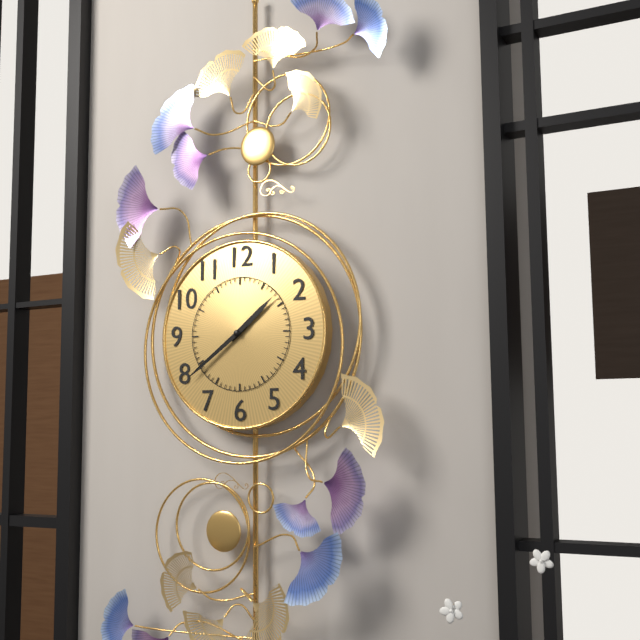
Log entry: 1h39
